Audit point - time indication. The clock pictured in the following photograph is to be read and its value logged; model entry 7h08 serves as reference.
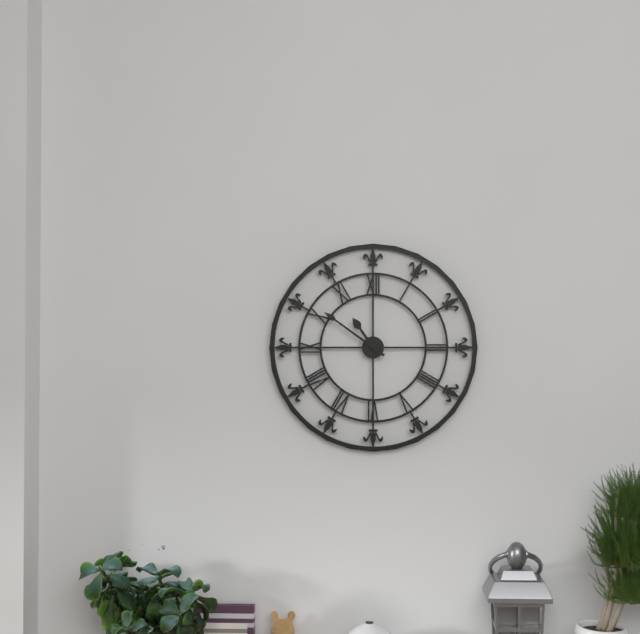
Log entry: 10h51
